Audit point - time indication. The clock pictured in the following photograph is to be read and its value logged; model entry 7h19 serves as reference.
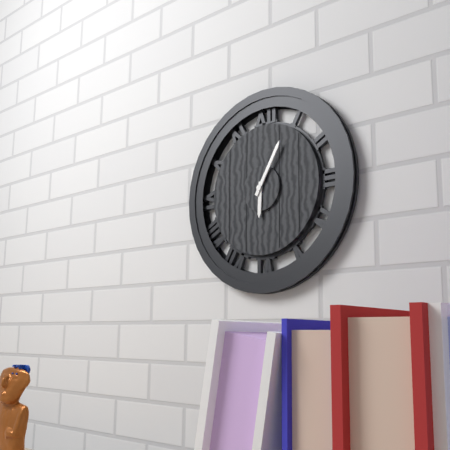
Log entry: 6h05
